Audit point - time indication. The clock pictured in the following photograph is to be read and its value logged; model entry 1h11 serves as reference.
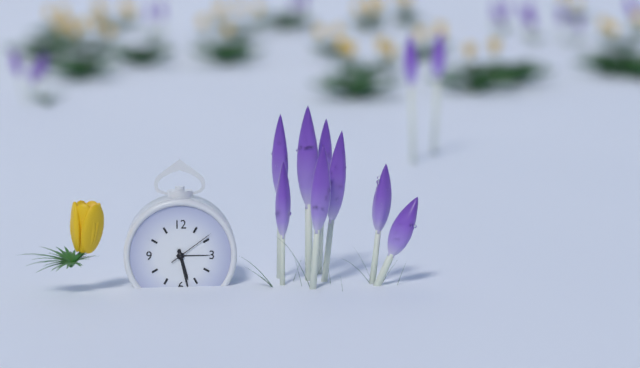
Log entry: 5h28
